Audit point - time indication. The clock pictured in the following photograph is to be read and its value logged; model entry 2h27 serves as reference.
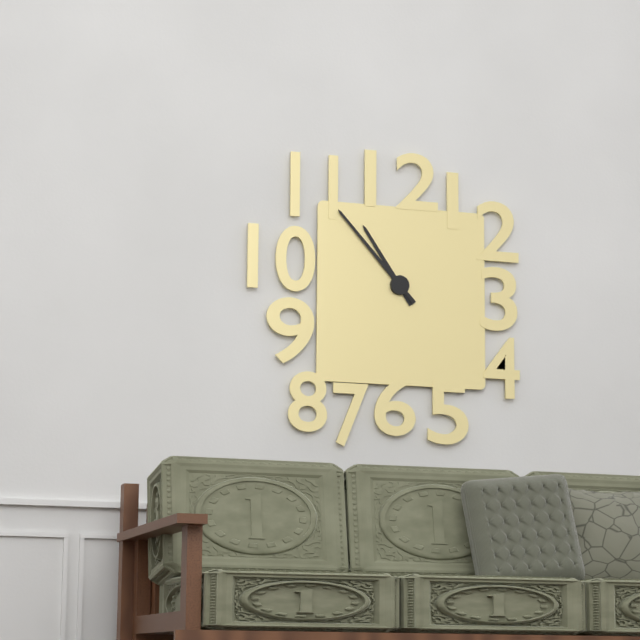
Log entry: 10h53
